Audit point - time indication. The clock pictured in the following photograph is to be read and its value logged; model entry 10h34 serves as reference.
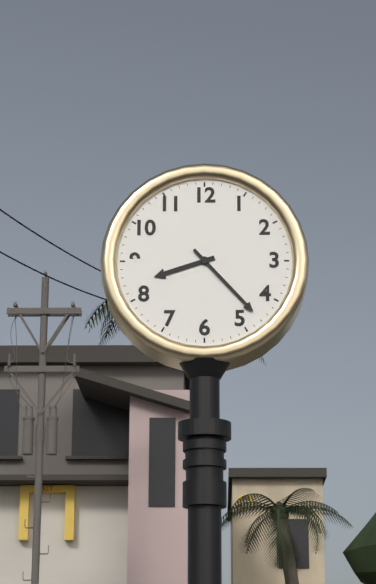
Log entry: 8h23
